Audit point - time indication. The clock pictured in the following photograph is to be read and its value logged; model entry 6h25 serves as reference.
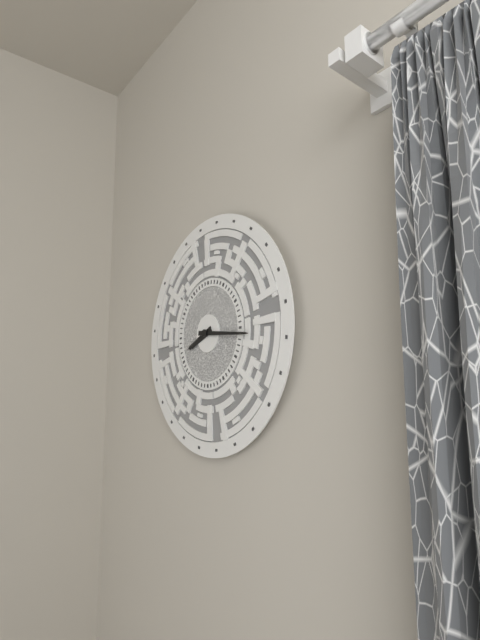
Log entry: 8h16
